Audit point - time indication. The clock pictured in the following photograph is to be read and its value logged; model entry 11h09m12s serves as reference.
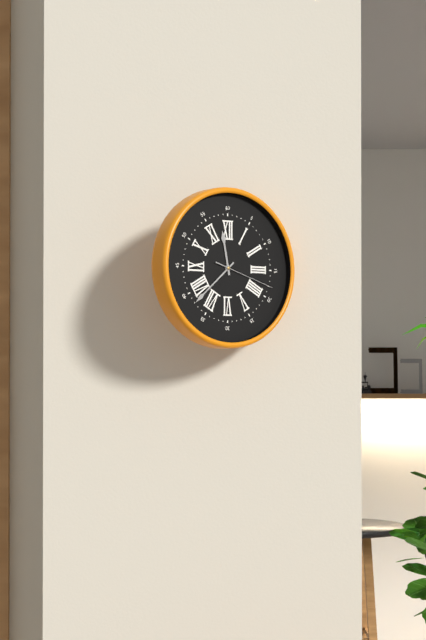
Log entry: 11h38m18s
